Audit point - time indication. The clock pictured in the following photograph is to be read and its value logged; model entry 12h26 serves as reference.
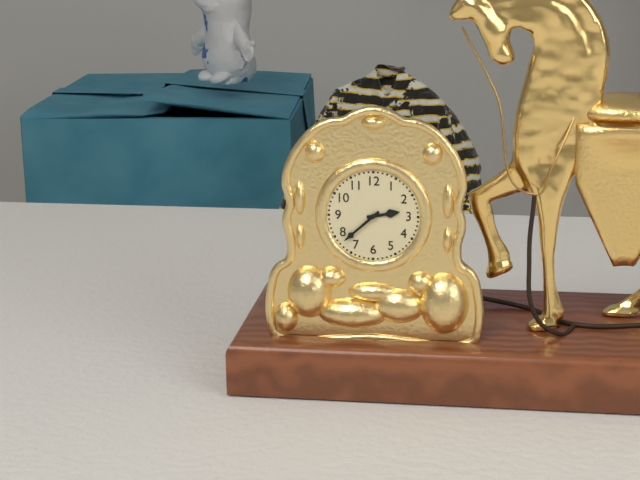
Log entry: 2h38
